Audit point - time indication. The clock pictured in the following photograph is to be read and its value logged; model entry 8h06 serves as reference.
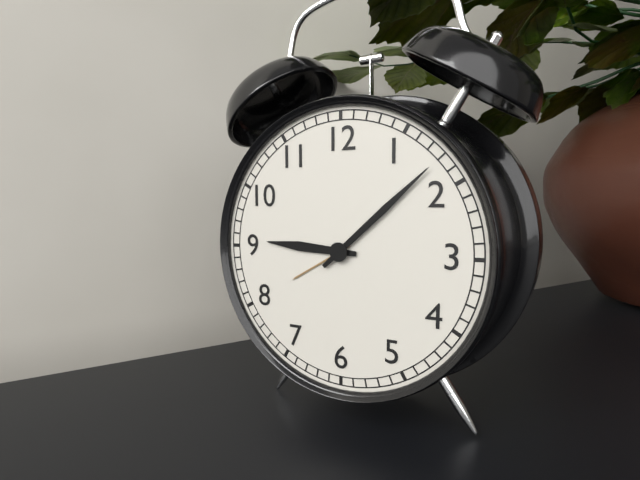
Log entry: 9h08
